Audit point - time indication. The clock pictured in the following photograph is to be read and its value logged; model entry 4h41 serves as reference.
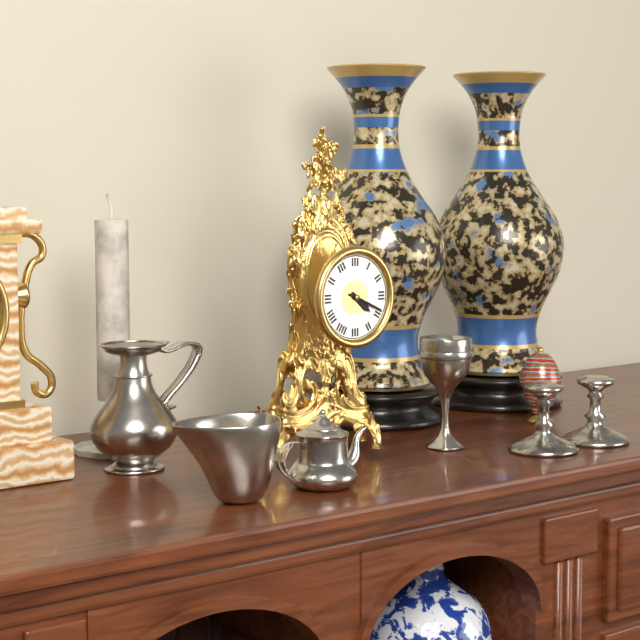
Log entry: 4h19
